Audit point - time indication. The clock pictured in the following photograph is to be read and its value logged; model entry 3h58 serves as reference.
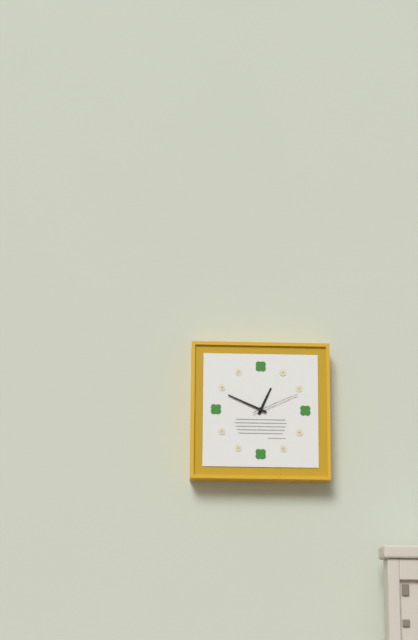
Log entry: 12h49
